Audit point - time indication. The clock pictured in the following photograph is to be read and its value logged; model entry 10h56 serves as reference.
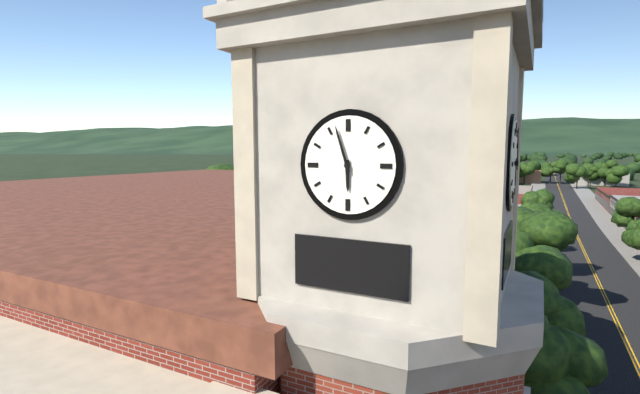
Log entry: 5h57
